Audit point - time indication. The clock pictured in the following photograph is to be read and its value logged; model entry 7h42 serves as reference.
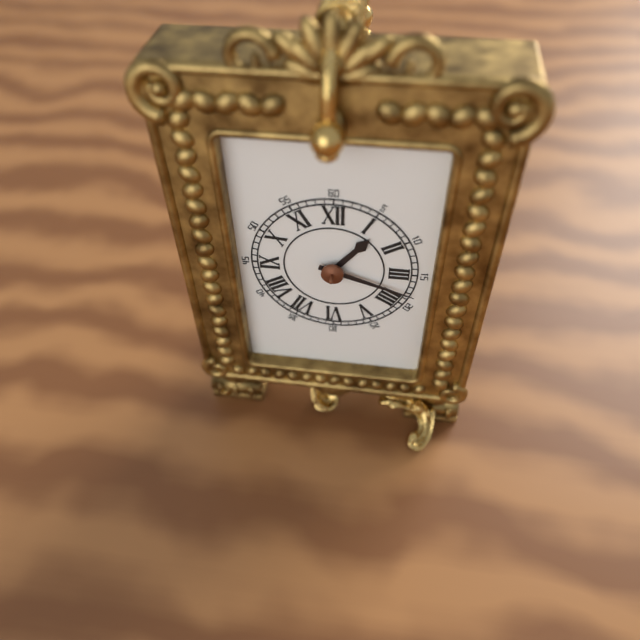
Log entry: 1h18
